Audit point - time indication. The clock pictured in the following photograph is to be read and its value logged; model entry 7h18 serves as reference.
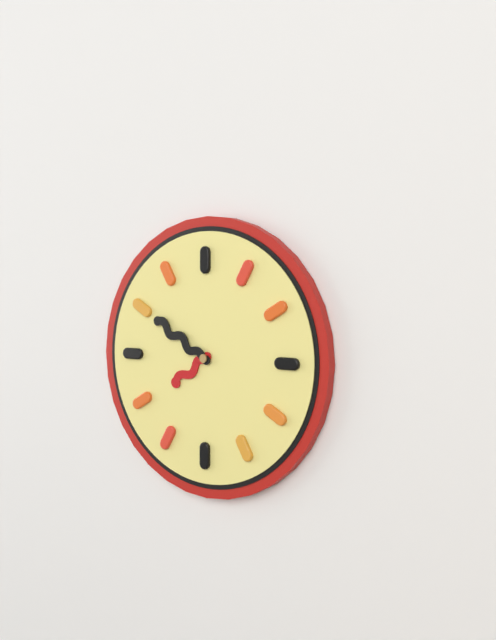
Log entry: 7h50
